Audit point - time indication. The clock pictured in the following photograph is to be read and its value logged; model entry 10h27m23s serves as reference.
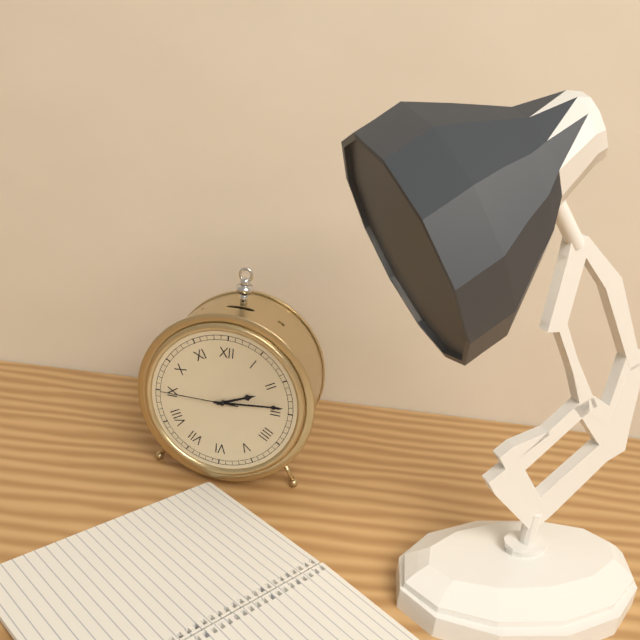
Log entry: 2h14m45s
